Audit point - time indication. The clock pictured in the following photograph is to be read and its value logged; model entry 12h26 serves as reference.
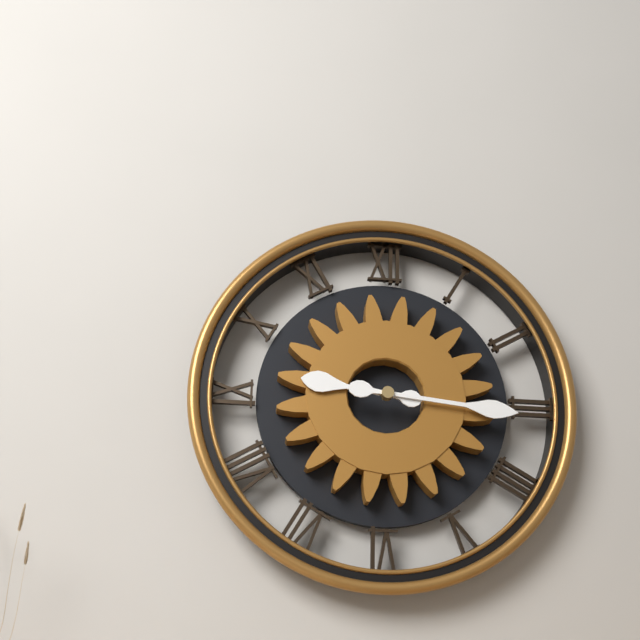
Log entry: 9h16
